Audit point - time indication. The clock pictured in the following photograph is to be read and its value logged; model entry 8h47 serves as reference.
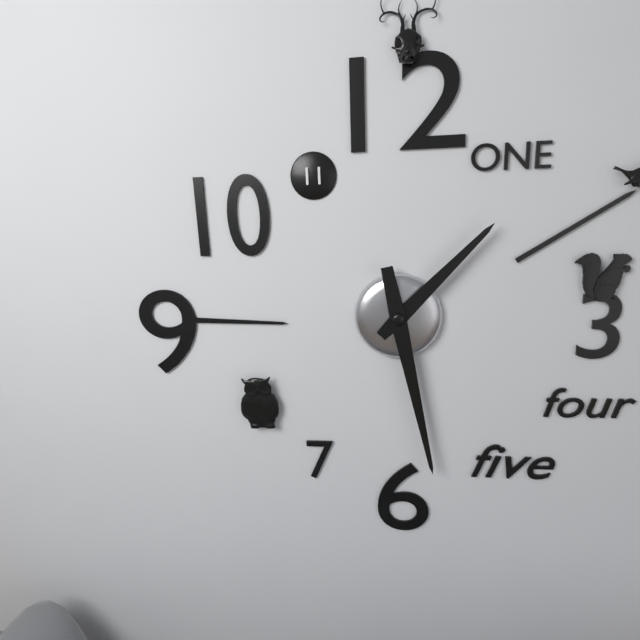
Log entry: 1h28
